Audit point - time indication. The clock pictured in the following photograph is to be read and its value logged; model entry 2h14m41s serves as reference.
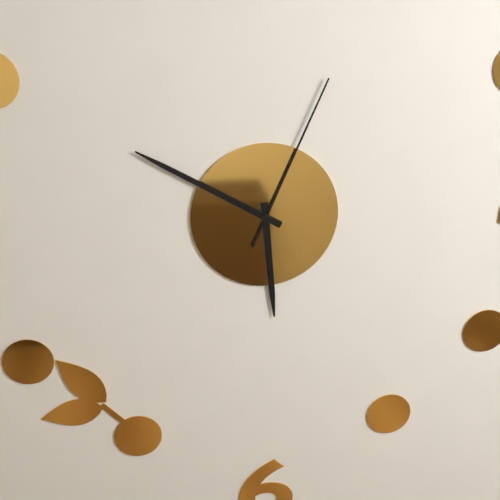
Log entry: 5h50m04s
